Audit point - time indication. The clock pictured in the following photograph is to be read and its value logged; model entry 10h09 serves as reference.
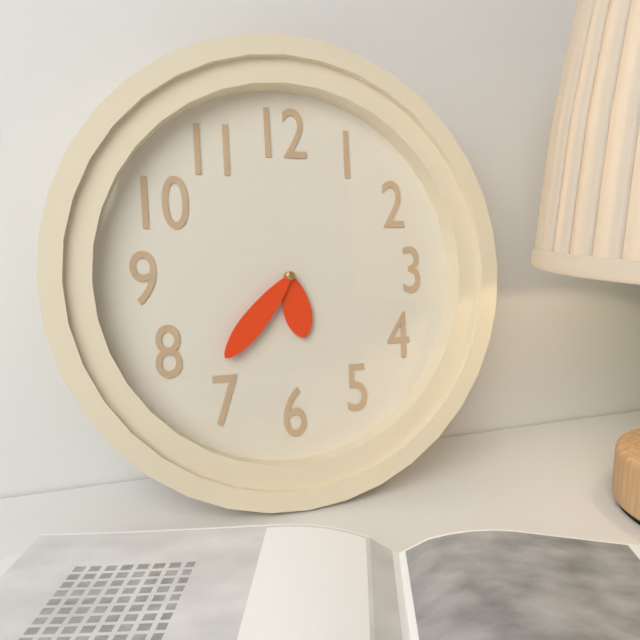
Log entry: 5h37
